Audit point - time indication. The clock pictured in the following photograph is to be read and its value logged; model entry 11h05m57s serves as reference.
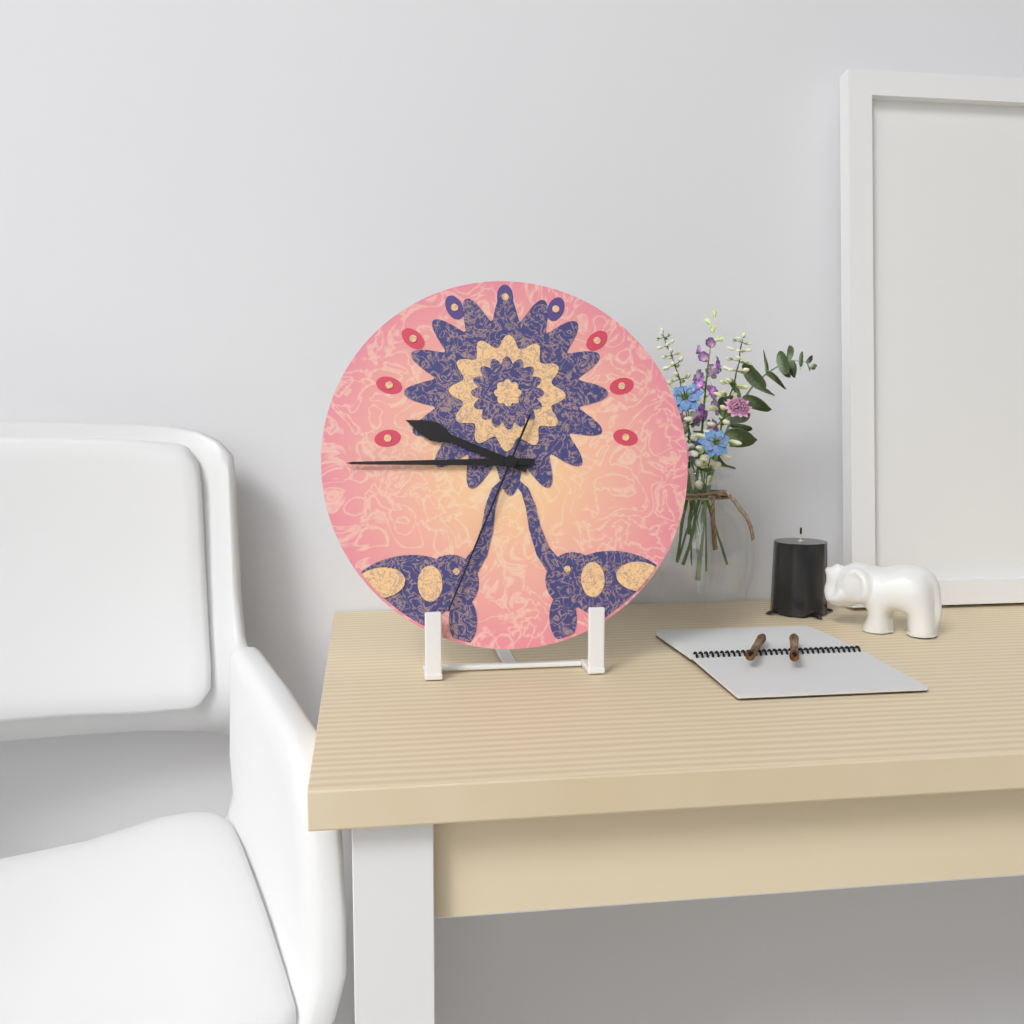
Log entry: 9h45m34s
